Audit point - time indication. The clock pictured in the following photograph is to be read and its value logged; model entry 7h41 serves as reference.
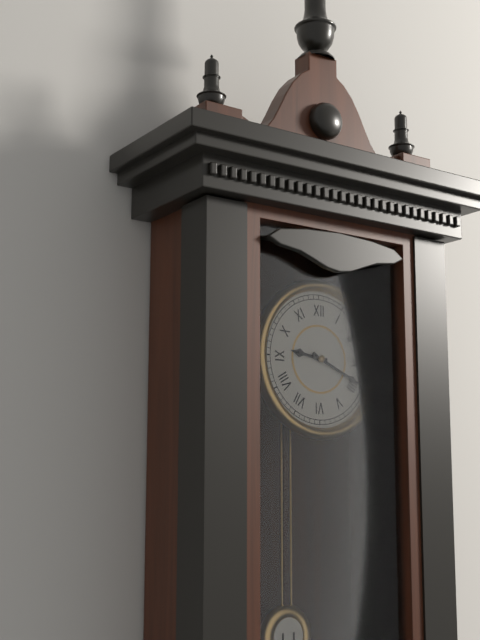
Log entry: 9h19
